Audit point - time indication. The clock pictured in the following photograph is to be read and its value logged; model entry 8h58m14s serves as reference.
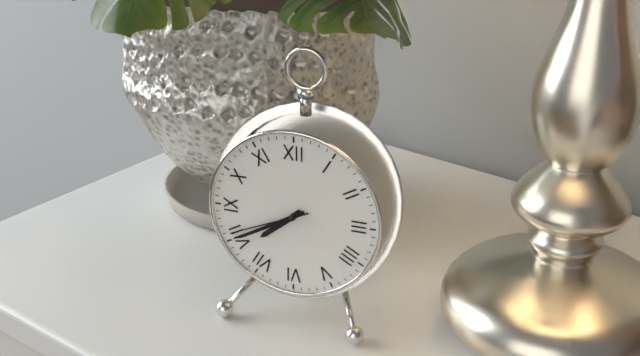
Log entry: 7h40m41s
